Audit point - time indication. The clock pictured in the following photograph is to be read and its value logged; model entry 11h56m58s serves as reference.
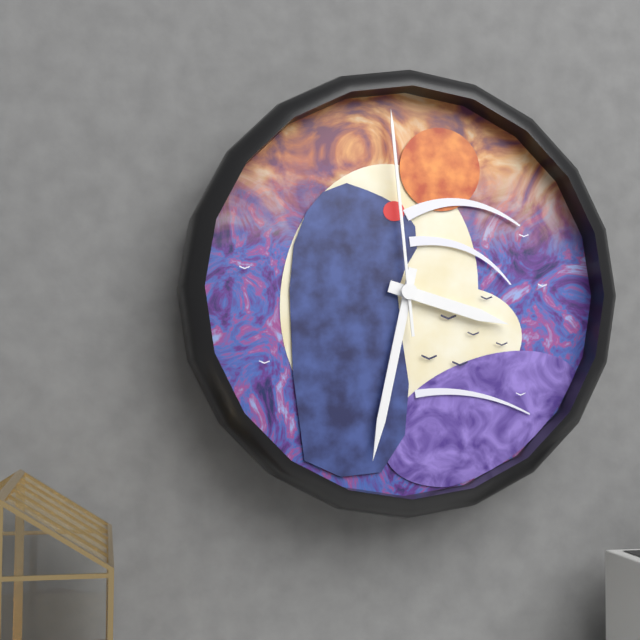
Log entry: 3h32m59s
